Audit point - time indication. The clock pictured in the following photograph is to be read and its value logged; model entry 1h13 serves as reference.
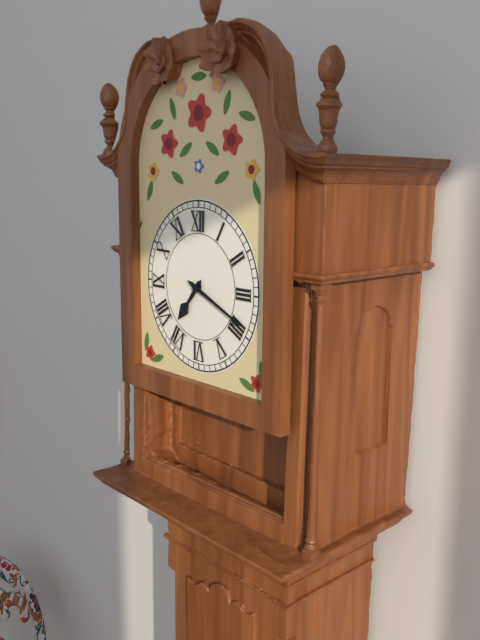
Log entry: 7h19
